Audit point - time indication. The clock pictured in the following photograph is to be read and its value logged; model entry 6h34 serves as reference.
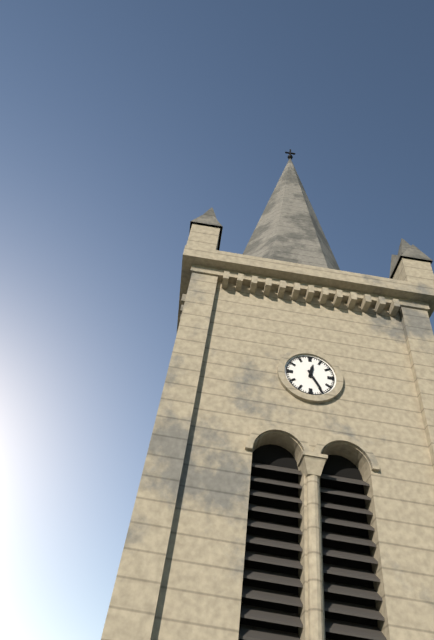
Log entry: 12h25
